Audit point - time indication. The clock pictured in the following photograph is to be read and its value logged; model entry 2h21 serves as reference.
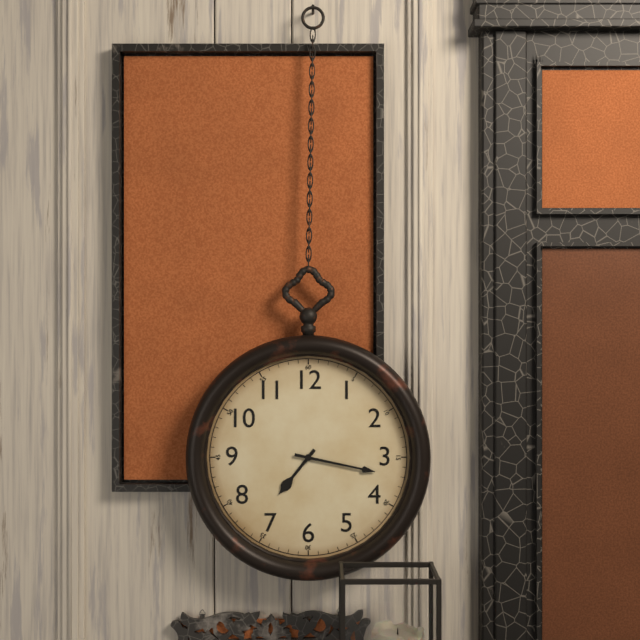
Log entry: 7h17
